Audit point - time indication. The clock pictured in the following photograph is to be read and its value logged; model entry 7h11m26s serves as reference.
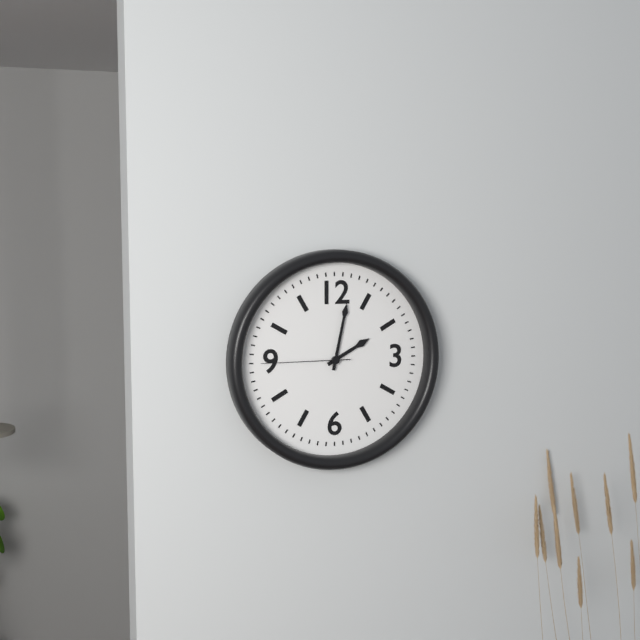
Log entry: 2h02m45s
